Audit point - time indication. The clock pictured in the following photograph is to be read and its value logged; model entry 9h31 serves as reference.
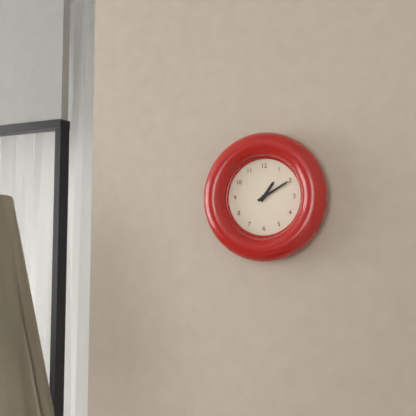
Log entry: 1h10
